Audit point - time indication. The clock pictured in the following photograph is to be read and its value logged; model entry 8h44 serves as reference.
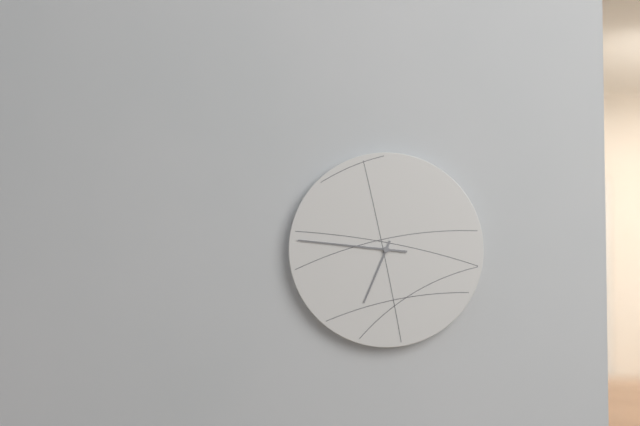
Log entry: 6h46
